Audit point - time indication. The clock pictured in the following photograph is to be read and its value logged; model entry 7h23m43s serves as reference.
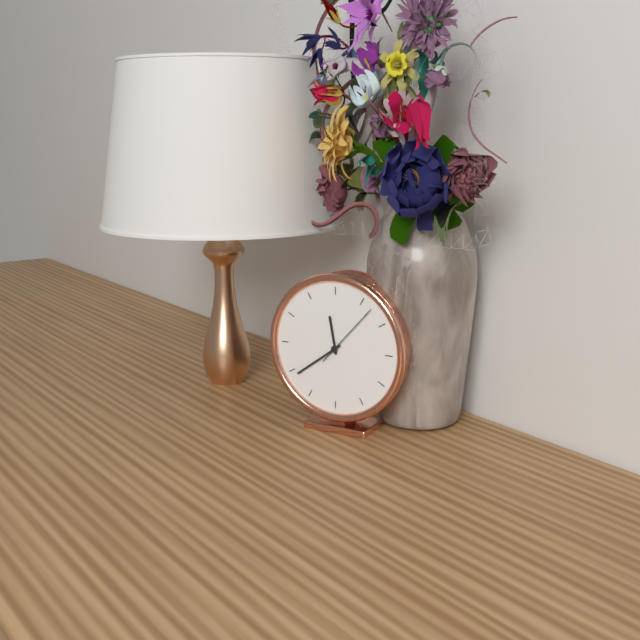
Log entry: 11h39m07s
